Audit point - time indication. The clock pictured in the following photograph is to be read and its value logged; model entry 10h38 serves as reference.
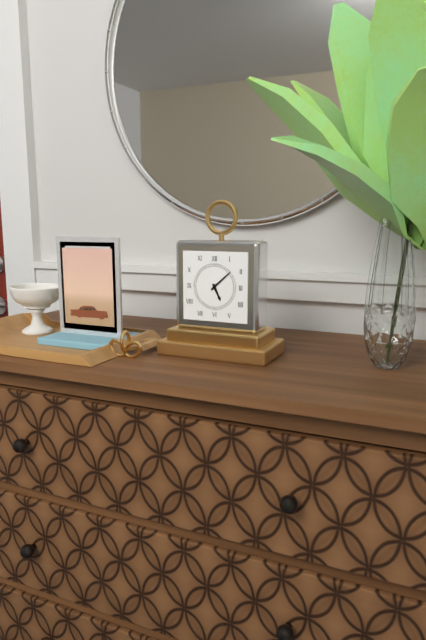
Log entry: 5h08
